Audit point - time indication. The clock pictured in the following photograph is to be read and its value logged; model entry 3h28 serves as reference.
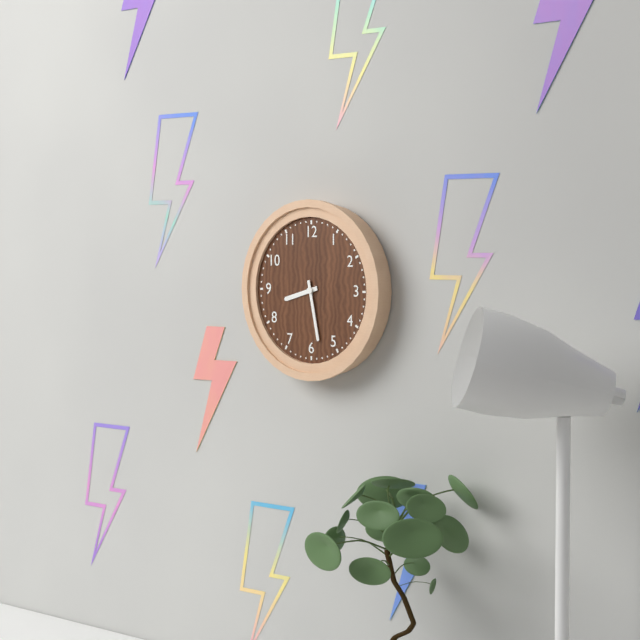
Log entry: 8h28
